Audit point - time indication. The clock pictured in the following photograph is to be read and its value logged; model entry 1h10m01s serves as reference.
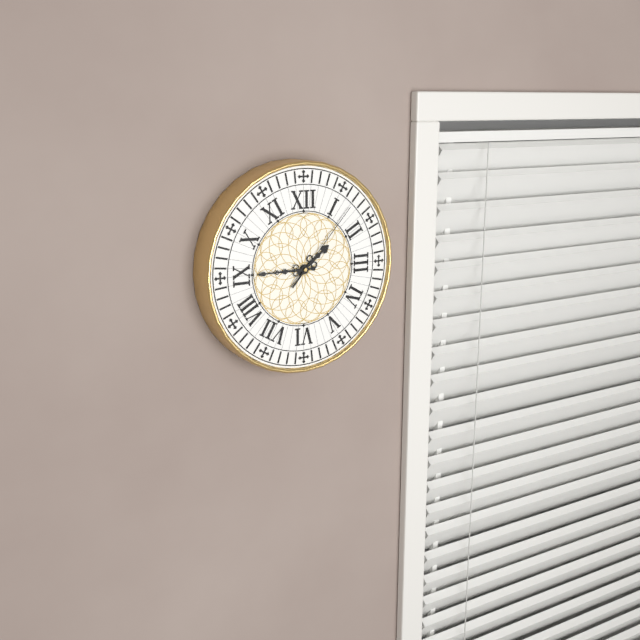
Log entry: 1h45m07s
